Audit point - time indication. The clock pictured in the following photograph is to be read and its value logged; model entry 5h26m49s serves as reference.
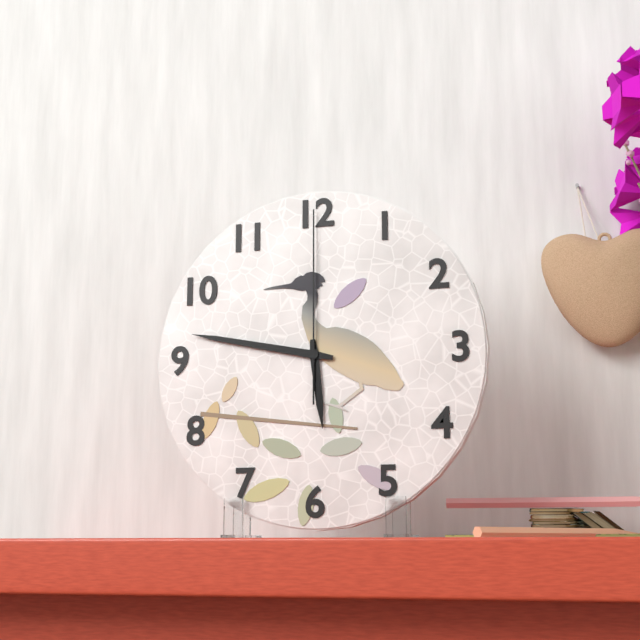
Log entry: 5h47m00s
